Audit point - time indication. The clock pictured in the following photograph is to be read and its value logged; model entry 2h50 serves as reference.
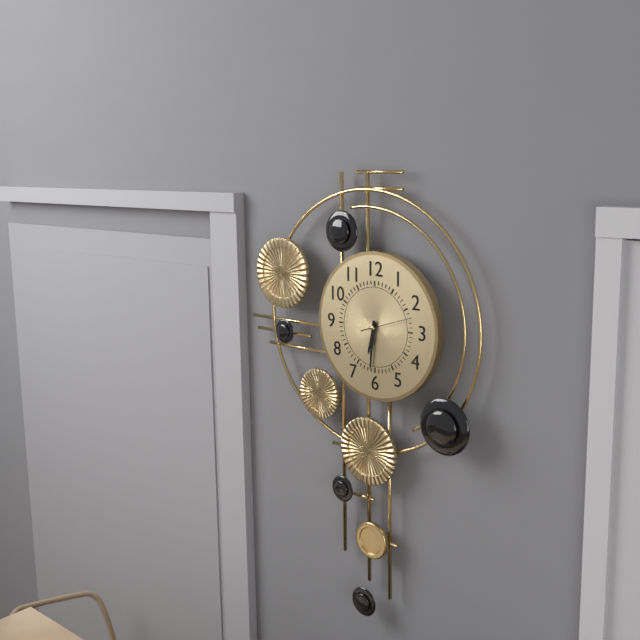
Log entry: 6h31
